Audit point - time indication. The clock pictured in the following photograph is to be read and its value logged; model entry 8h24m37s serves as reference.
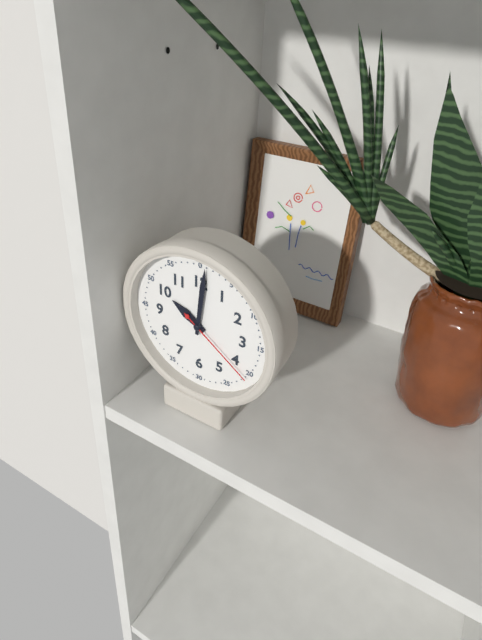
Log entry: 10h01m21s
